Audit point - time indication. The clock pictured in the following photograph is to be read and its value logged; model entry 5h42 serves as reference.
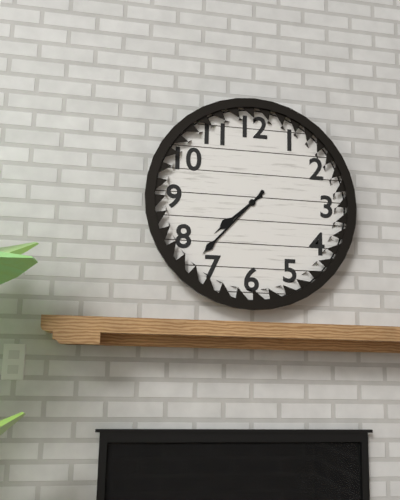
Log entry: 7h37
